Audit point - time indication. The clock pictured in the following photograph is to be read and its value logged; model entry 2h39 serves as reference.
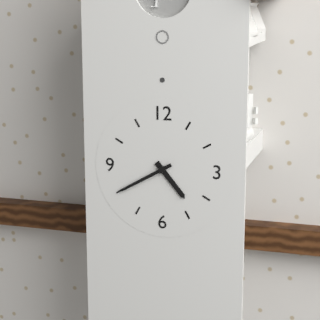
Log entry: 4h40
